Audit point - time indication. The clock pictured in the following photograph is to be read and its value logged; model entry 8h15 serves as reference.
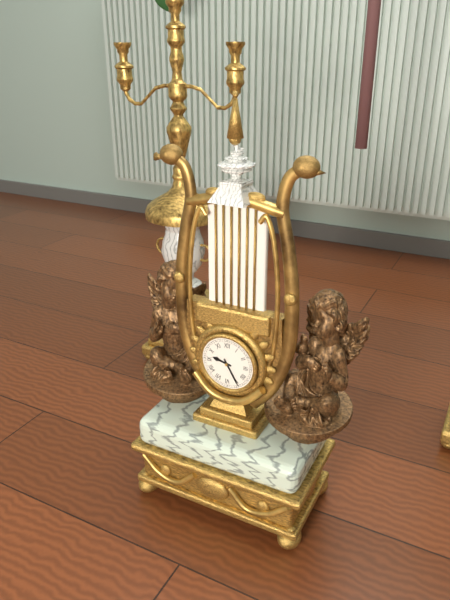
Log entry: 9h25
